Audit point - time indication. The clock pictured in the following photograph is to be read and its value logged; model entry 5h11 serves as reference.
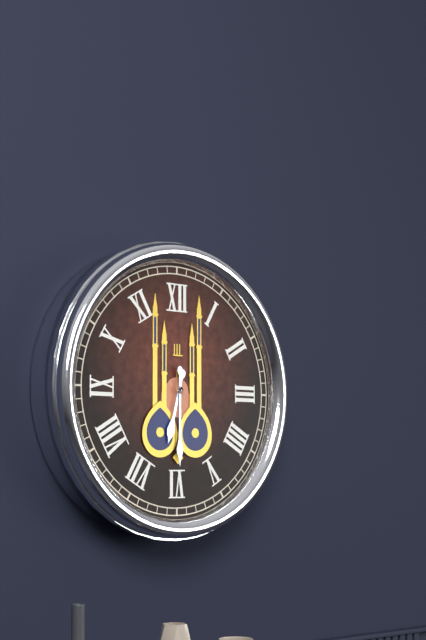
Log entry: 6h30
